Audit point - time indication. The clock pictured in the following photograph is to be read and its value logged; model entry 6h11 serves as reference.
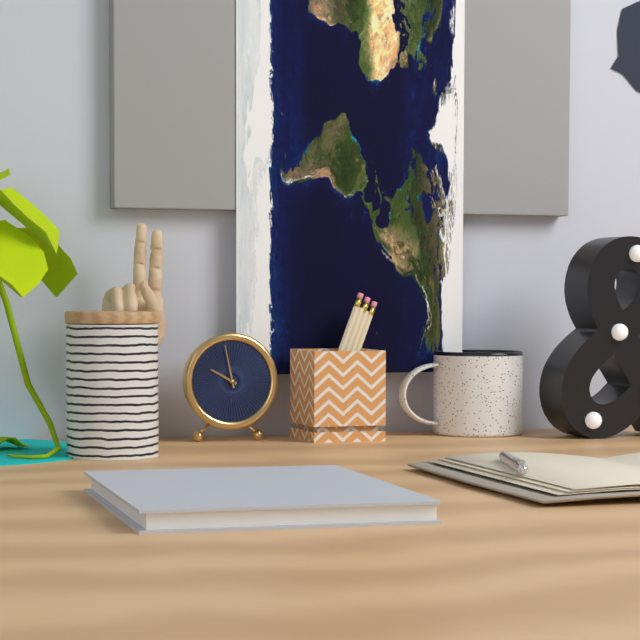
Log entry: 9h58
